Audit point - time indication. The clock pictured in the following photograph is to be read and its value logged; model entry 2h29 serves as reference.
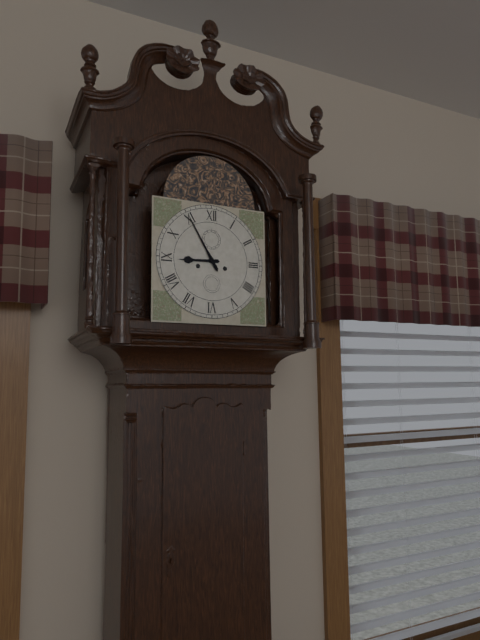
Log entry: 8h55
